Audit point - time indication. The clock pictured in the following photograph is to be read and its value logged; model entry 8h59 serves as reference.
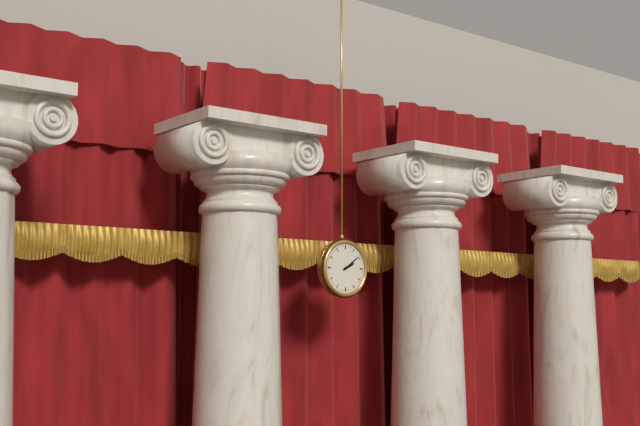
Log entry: 2h09
